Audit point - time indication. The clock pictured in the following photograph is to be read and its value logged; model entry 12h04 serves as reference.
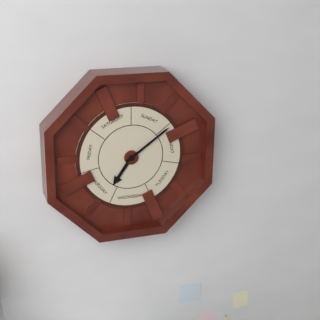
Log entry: 7h09
